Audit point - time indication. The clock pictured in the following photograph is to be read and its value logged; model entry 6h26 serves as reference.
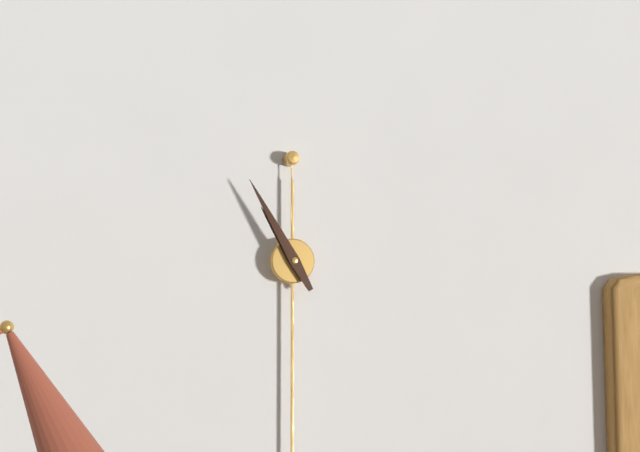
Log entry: 10h55
